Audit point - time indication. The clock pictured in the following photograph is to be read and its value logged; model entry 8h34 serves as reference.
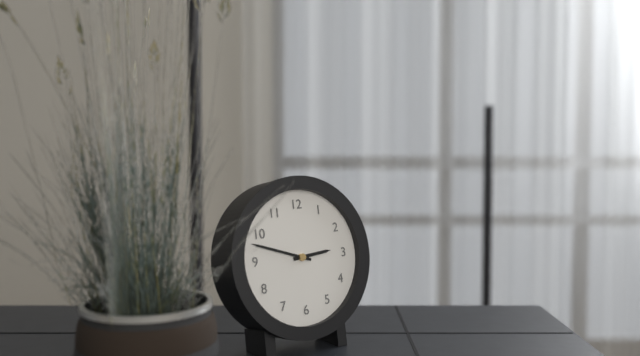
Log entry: 2h48
